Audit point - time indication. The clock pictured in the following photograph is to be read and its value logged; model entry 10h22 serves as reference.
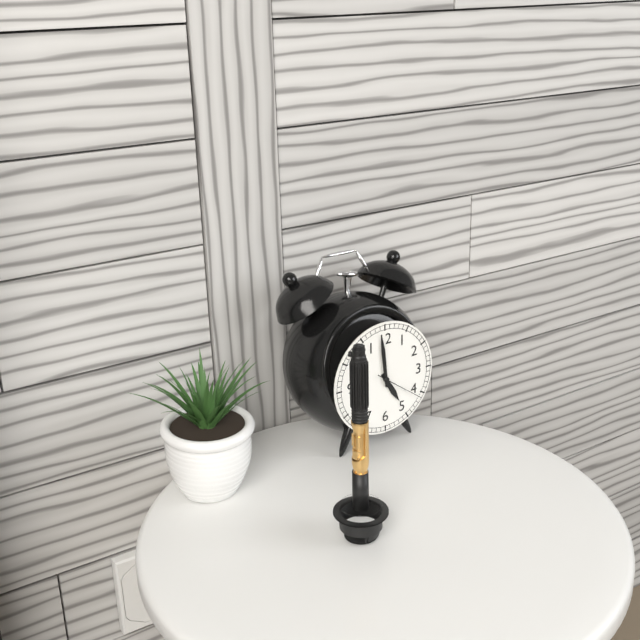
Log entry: 4h59
